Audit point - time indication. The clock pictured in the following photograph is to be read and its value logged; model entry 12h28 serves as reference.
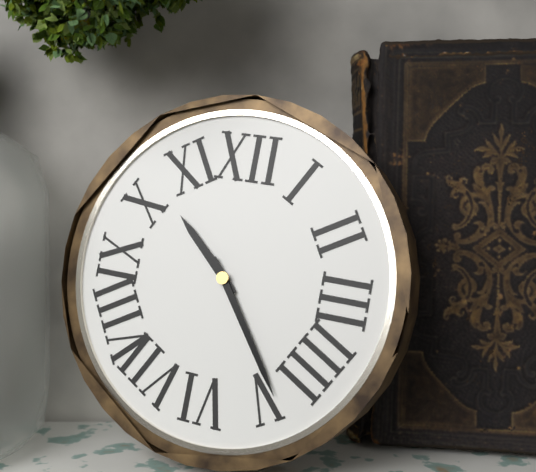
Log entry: 10h24
